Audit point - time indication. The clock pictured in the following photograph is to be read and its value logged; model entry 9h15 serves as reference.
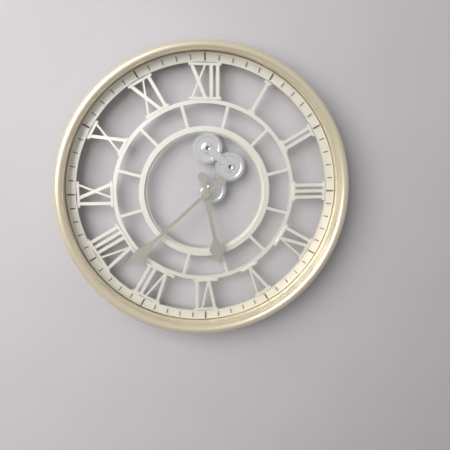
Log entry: 5h38
